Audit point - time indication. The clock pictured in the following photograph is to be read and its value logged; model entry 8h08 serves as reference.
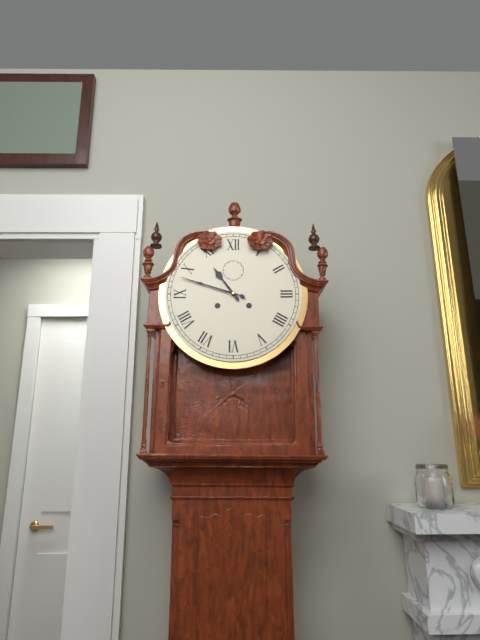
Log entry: 10h48
